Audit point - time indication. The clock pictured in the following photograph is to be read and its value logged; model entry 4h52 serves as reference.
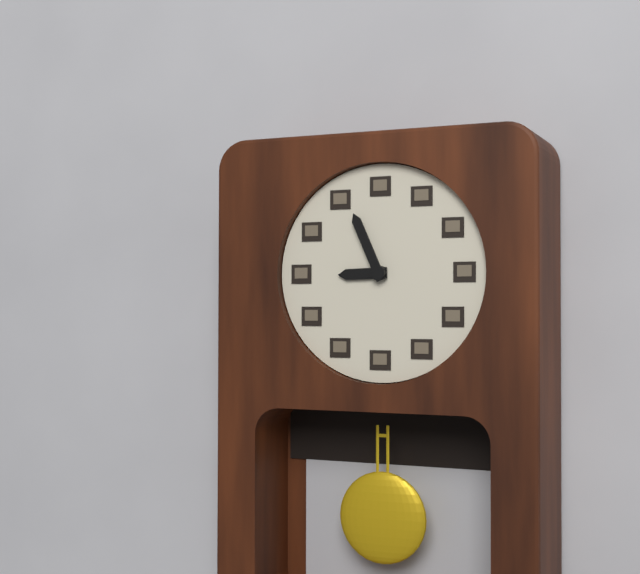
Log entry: 8h56
